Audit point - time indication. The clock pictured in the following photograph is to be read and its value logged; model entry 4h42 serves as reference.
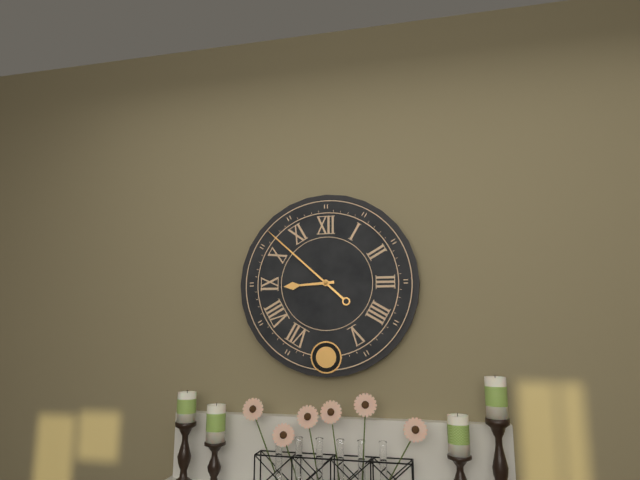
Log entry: 8h52
